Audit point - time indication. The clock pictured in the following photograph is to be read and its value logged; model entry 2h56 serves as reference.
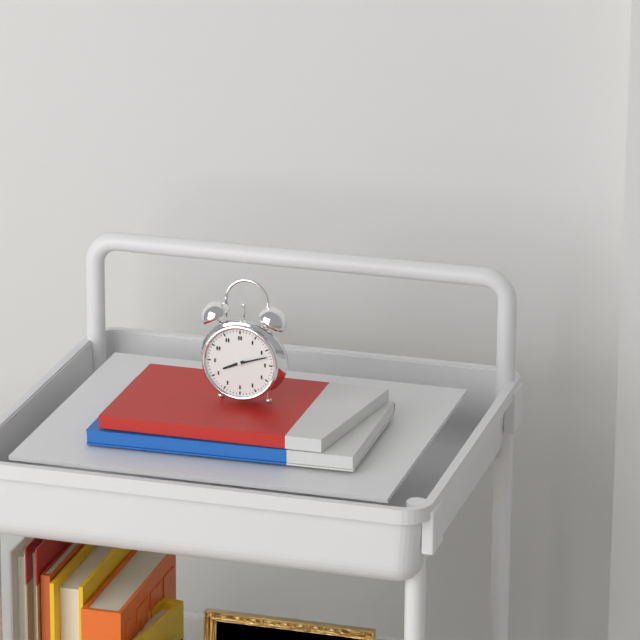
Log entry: 8h12
